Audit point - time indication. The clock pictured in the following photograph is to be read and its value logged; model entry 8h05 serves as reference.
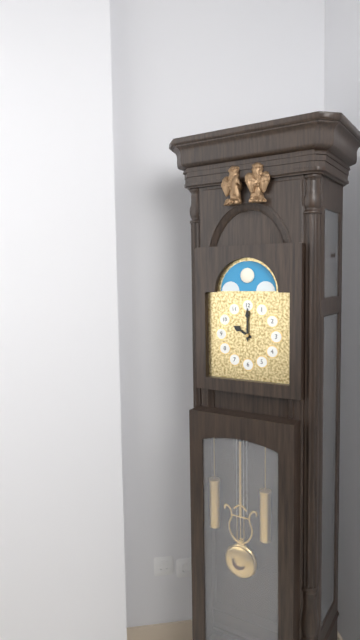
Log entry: 10h00
